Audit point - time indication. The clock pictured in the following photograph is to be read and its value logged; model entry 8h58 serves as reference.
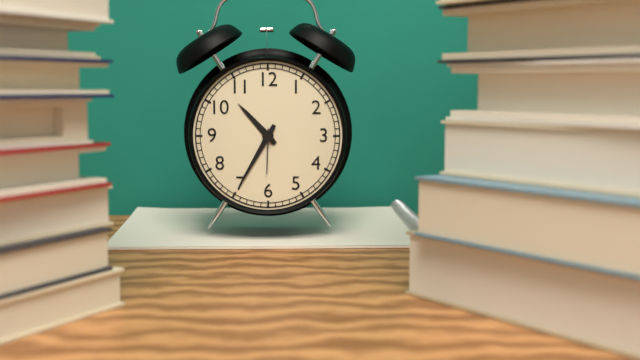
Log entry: 10h35
